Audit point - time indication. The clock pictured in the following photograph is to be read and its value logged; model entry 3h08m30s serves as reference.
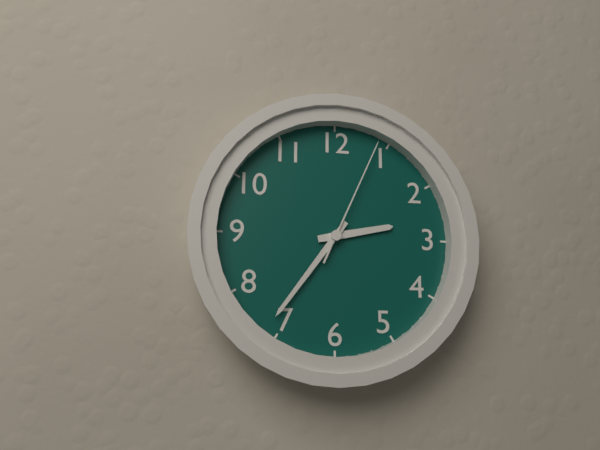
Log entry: 2h36m04s
